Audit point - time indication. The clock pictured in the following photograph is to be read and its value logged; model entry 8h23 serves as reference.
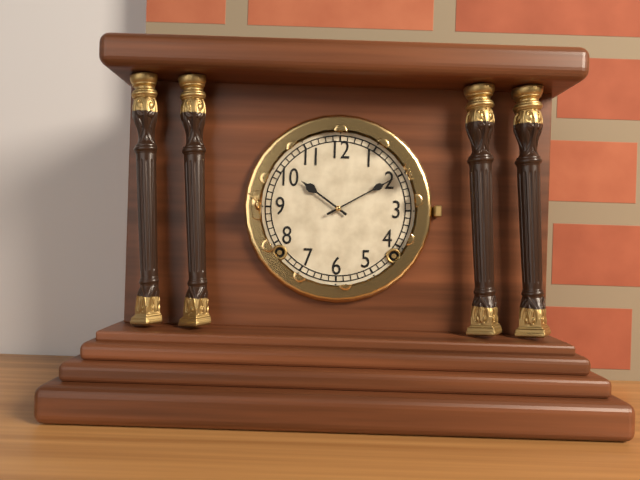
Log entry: 10h10
